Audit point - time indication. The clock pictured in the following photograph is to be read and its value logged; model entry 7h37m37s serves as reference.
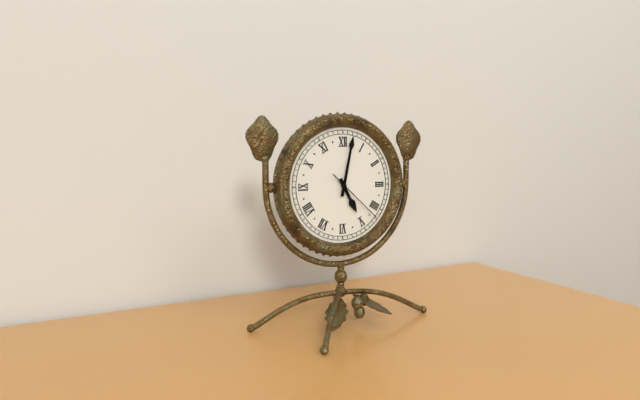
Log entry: 5h02m22s
